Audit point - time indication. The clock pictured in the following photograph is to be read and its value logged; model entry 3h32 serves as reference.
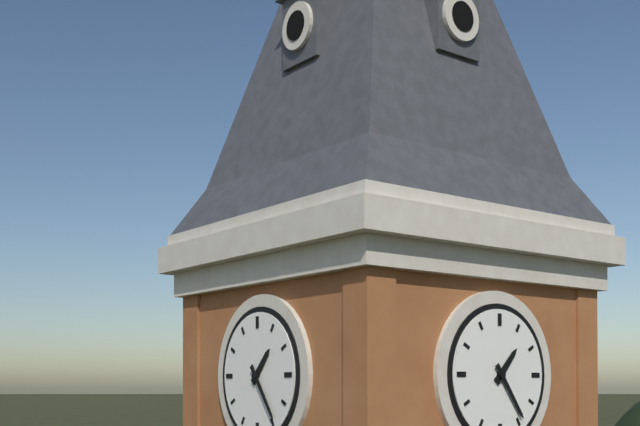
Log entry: 1h24
